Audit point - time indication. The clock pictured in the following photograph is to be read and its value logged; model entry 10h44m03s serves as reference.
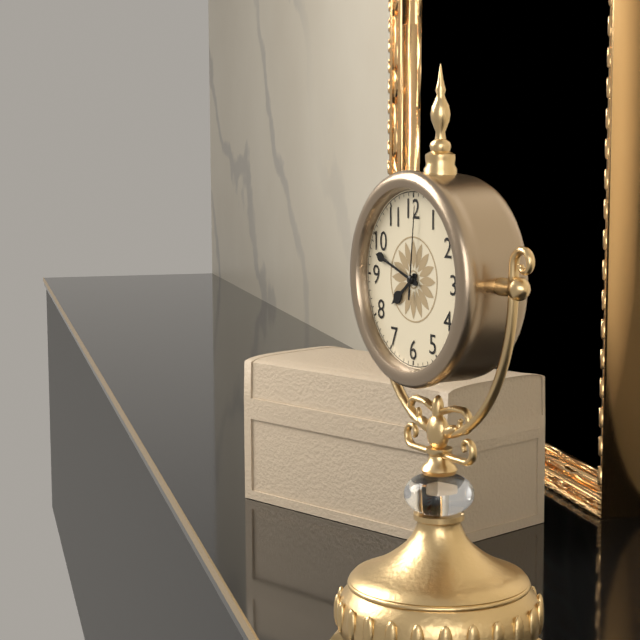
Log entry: 7h48m01s
